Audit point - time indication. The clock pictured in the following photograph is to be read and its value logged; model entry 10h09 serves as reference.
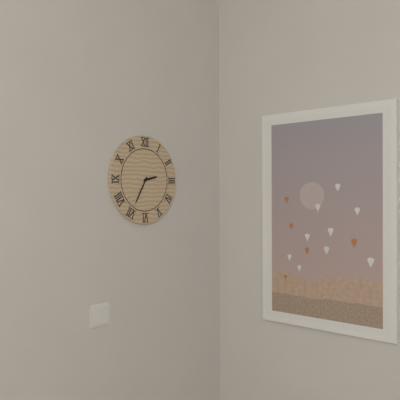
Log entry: 2h35
